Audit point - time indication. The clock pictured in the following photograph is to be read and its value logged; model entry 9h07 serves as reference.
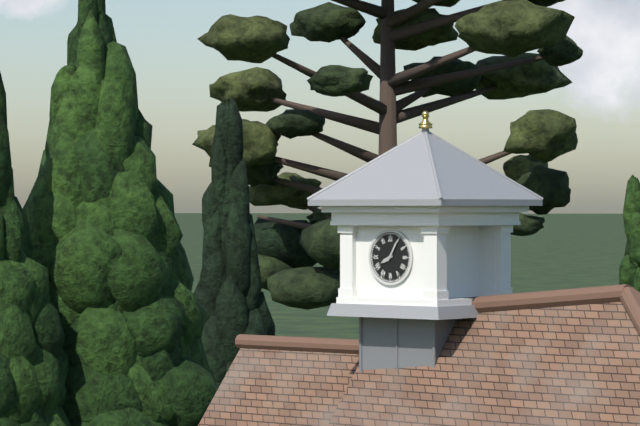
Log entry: 8h05
